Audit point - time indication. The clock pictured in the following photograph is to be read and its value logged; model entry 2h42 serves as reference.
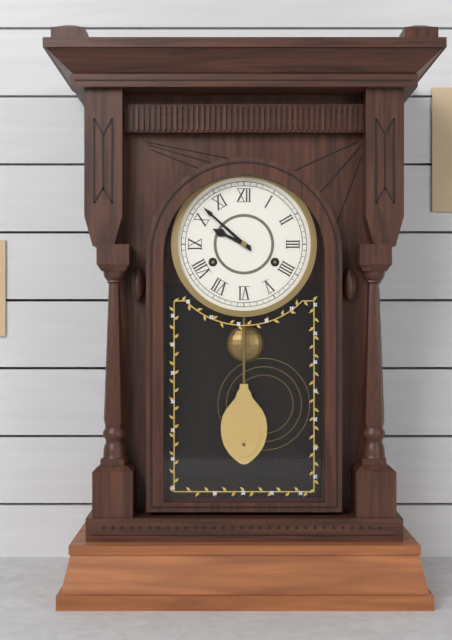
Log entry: 9h52
